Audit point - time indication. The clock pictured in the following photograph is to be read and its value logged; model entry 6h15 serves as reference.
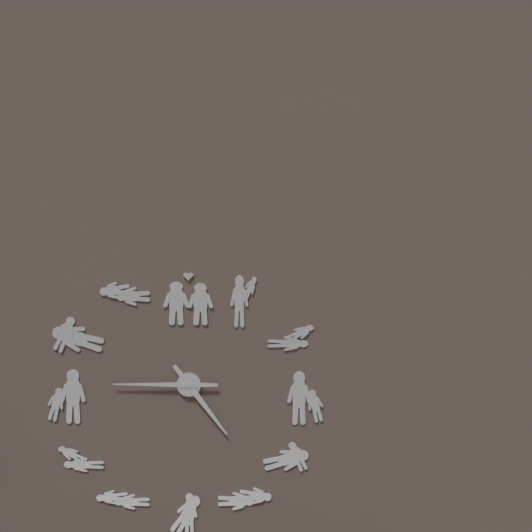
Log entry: 4h45
